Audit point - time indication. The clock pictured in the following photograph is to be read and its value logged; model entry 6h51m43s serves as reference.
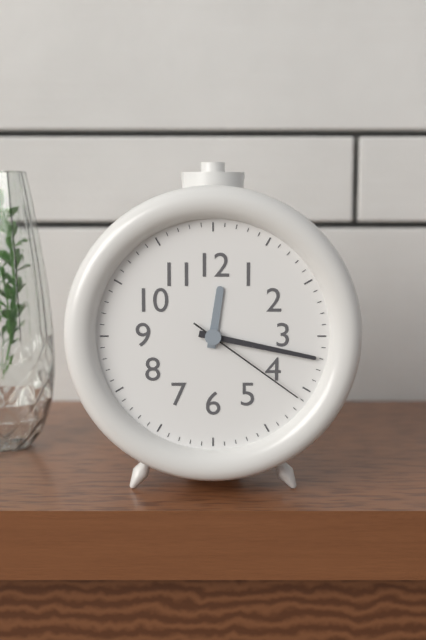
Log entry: 12h17m21s
